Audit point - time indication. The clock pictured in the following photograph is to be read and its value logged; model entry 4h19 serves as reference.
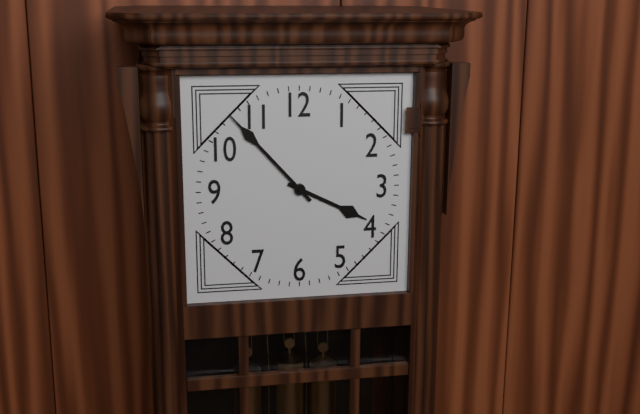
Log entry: 3h53
